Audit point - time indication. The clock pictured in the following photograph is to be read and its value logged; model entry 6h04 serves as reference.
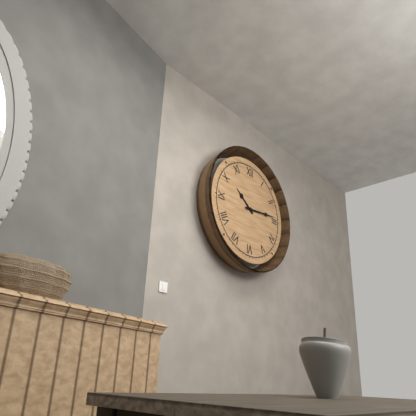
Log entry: 10h14
